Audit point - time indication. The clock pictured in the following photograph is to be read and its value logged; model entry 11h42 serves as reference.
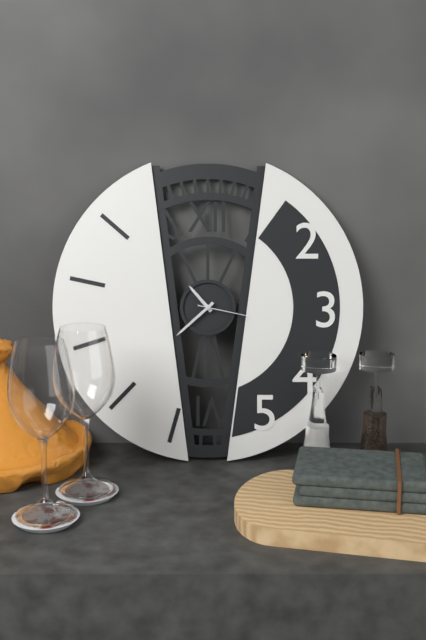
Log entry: 10h38
